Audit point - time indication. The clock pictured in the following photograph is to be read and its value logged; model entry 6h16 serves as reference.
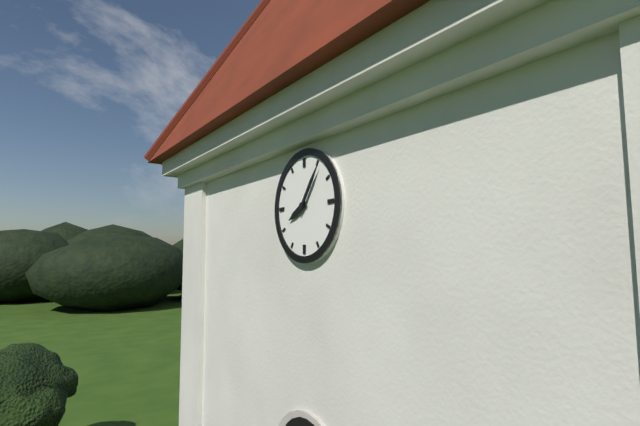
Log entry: 8h06
